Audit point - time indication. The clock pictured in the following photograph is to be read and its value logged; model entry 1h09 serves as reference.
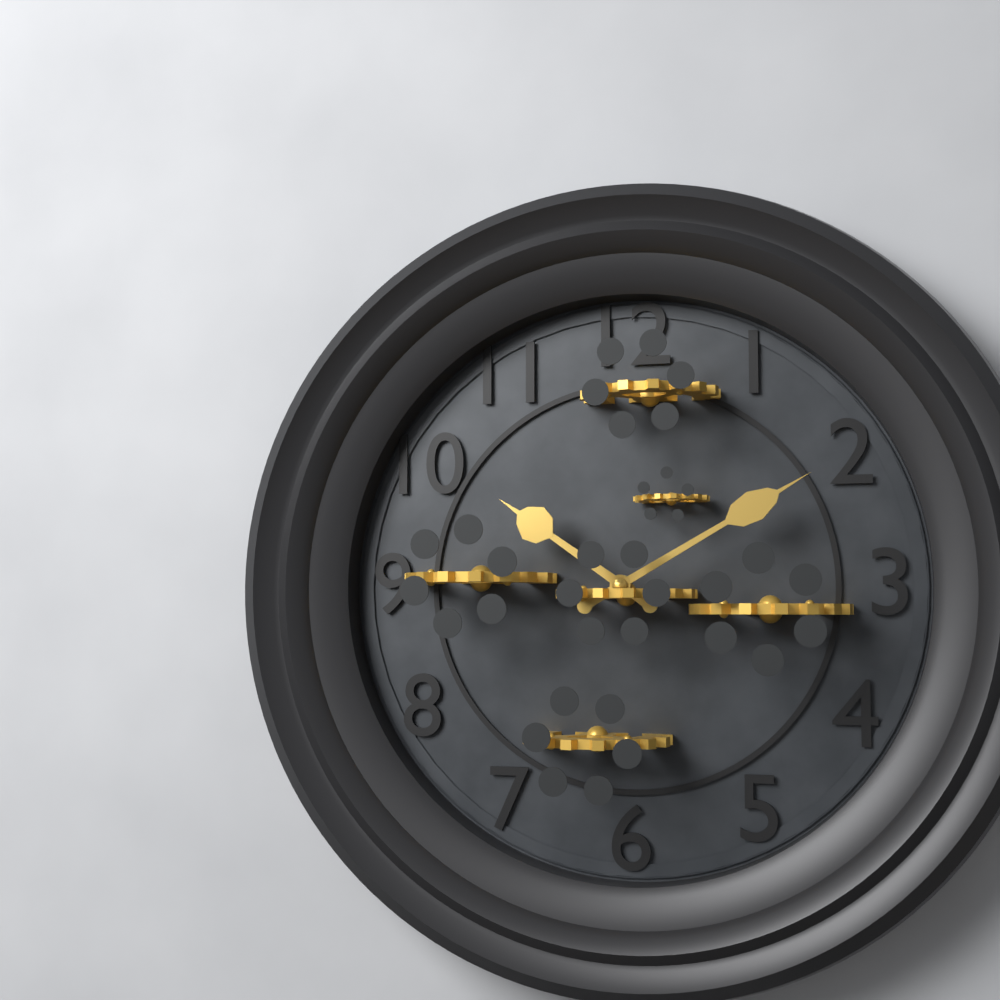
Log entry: 10h10
